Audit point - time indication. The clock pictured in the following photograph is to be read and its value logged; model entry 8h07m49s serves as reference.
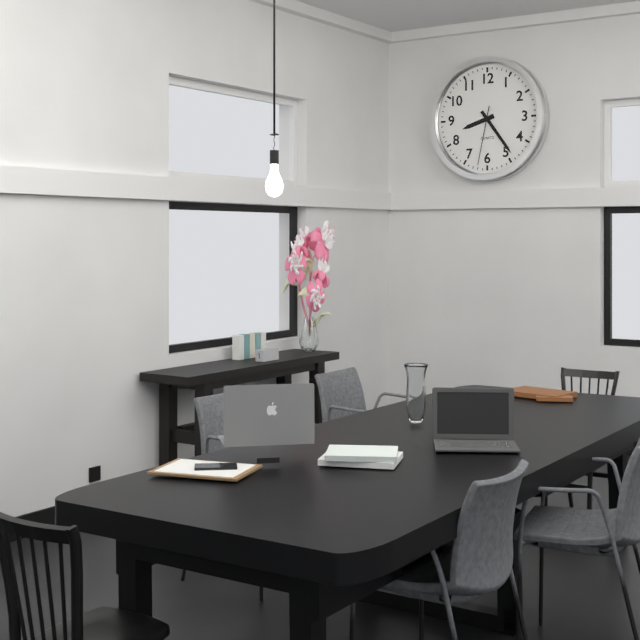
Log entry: 8h24m32s
